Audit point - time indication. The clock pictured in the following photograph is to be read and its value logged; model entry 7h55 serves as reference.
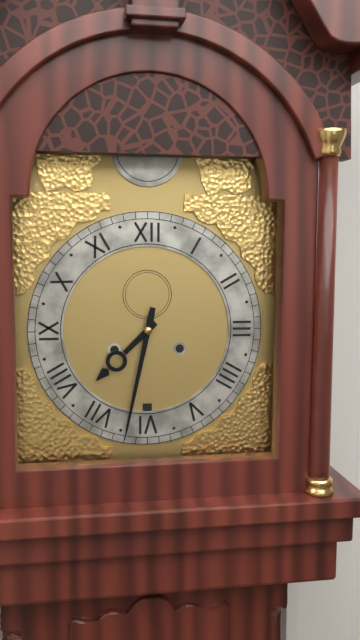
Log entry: 7h32
